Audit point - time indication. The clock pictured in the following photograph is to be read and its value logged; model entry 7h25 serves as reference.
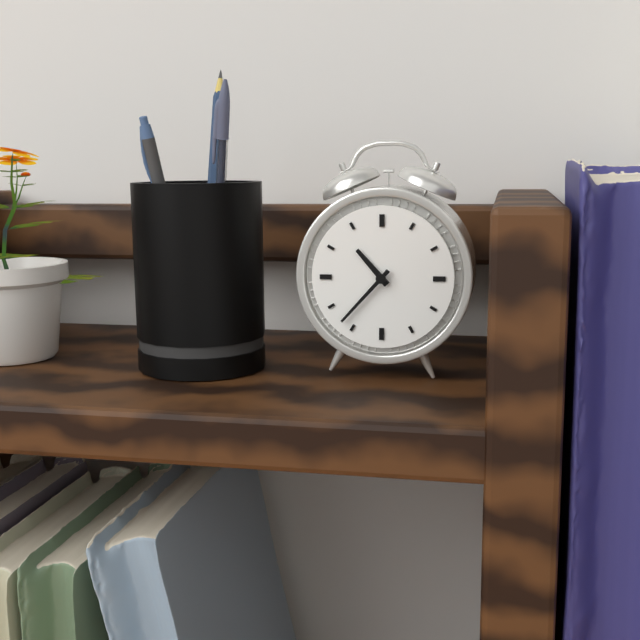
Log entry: 10h37
